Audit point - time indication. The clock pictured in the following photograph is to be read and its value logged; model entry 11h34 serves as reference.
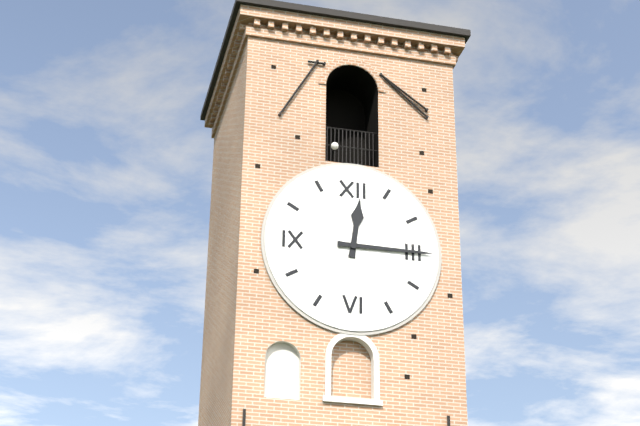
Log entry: 12h15
